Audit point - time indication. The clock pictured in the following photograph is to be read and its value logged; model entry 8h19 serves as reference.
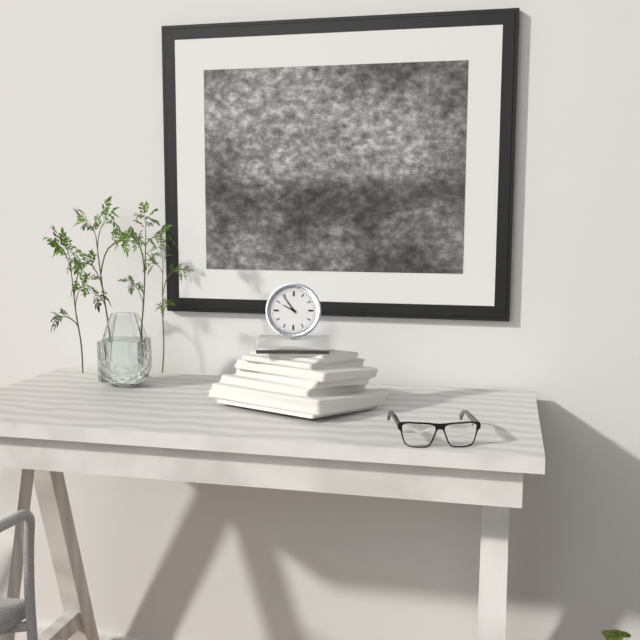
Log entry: 9h54
